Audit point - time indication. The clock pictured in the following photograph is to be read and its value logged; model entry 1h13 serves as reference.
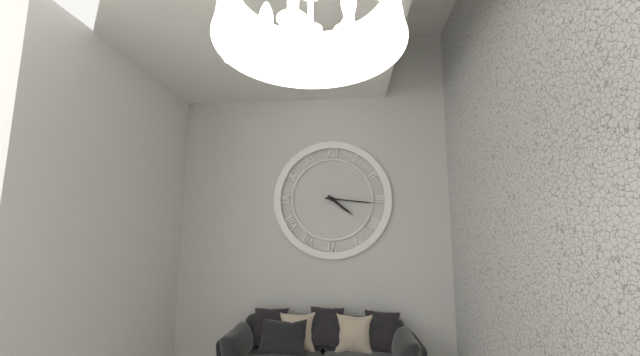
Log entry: 4h16
